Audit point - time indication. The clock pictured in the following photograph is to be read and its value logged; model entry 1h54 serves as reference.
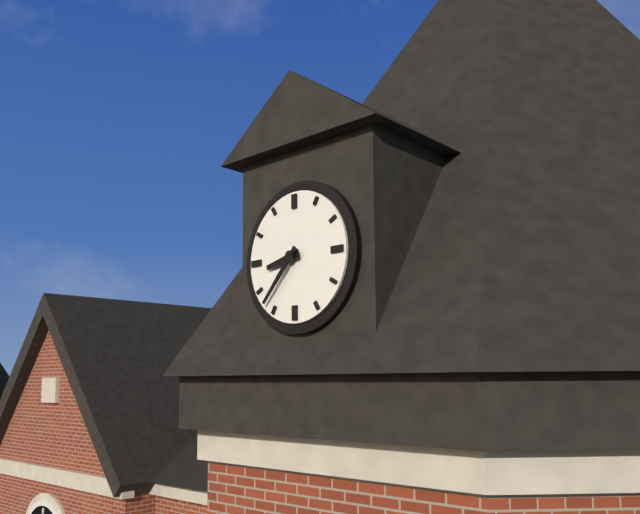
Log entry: 8h37
